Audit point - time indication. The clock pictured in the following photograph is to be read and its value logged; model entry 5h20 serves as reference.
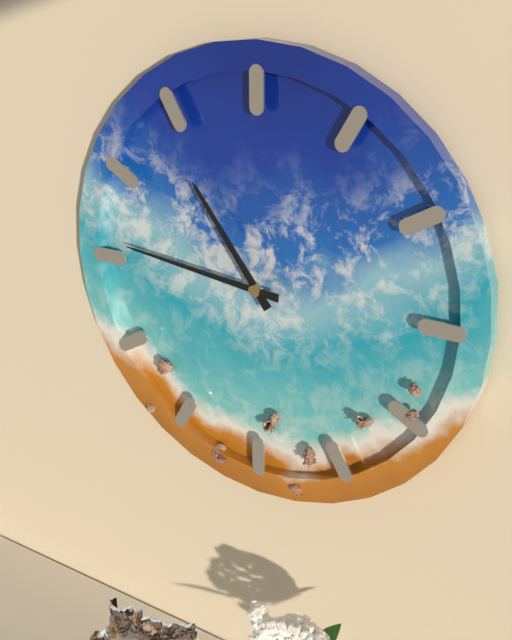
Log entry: 10h46
